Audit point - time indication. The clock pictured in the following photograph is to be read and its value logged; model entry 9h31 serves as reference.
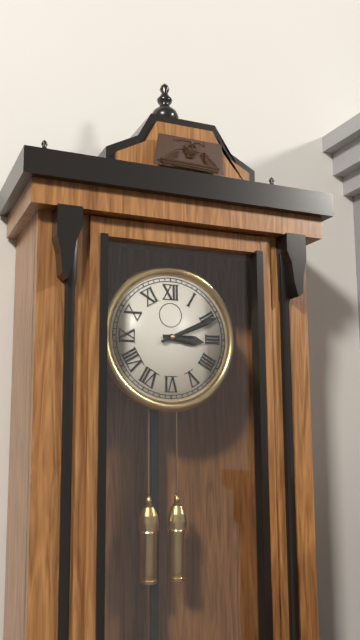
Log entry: 3h11
